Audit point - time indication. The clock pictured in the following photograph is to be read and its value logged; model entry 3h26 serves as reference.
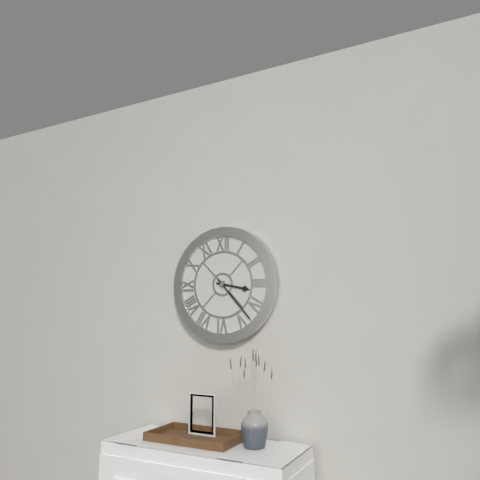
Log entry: 3h23
